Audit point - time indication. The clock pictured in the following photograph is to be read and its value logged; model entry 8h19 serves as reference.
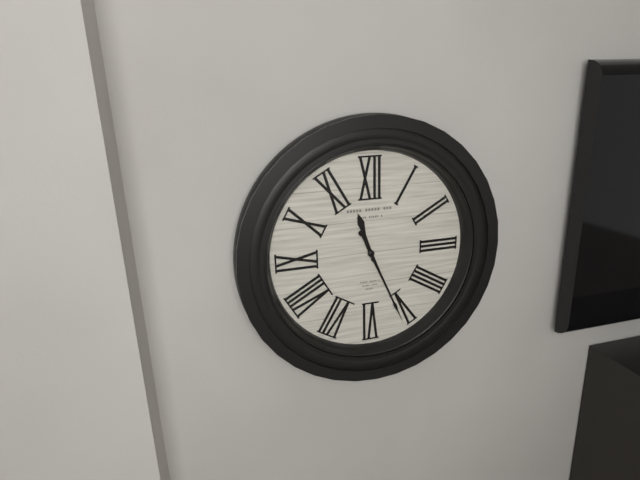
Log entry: 11h26
